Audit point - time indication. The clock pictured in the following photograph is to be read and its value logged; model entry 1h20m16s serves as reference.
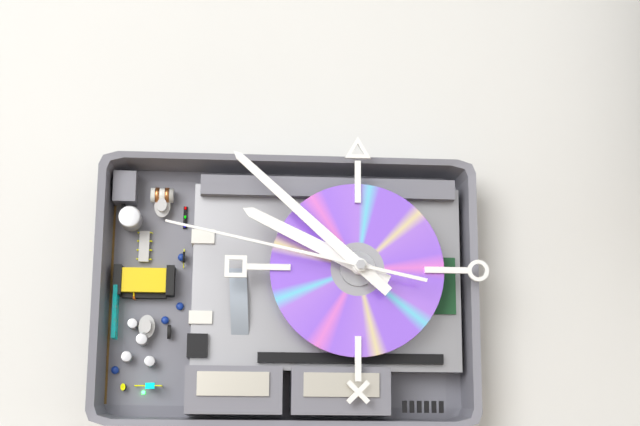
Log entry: 9h52m47s
